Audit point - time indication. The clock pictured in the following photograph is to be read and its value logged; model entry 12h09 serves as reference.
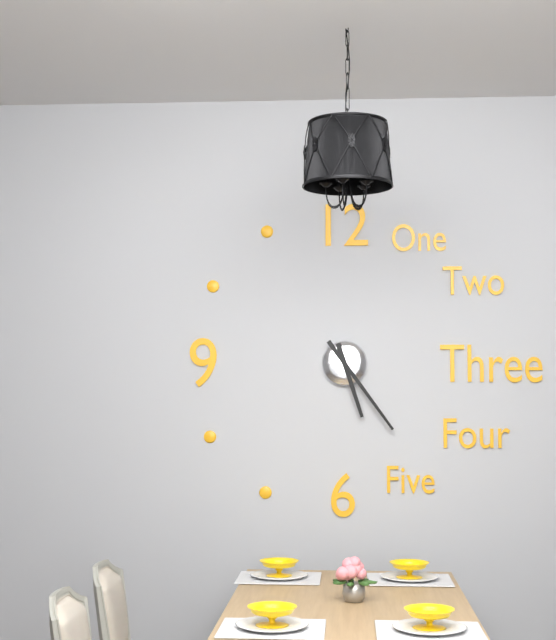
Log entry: 5h24
